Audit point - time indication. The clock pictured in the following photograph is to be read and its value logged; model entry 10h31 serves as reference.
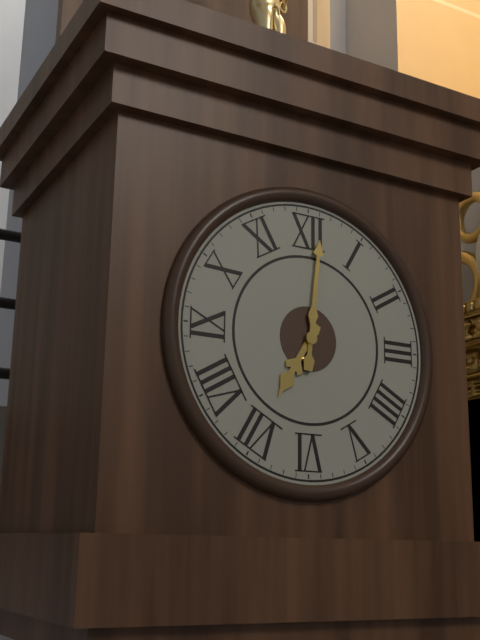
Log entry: 7h01
